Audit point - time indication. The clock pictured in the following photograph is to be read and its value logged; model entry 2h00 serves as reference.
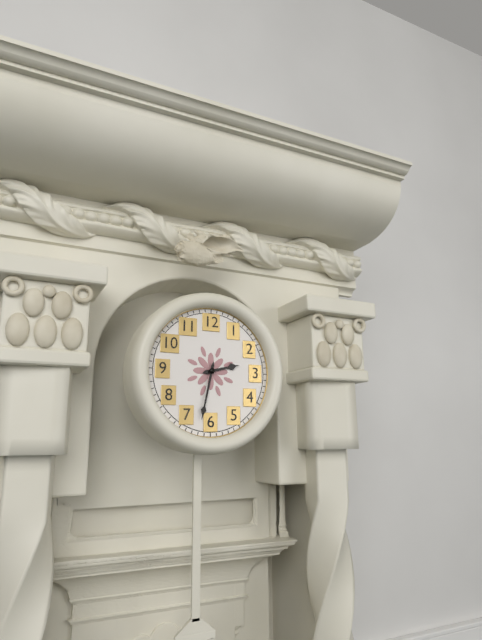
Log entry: 2h32
